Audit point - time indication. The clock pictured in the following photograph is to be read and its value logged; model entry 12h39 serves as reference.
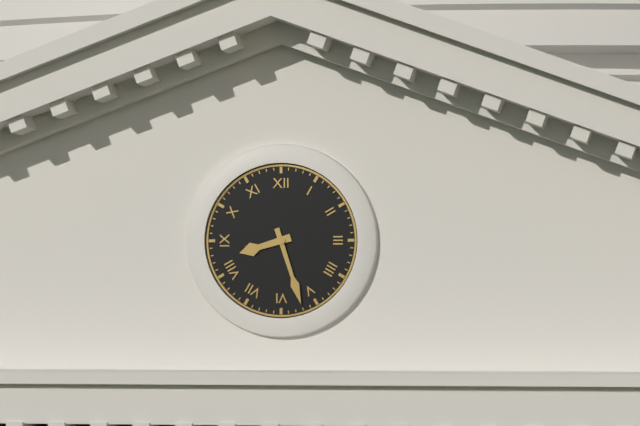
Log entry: 8h27
